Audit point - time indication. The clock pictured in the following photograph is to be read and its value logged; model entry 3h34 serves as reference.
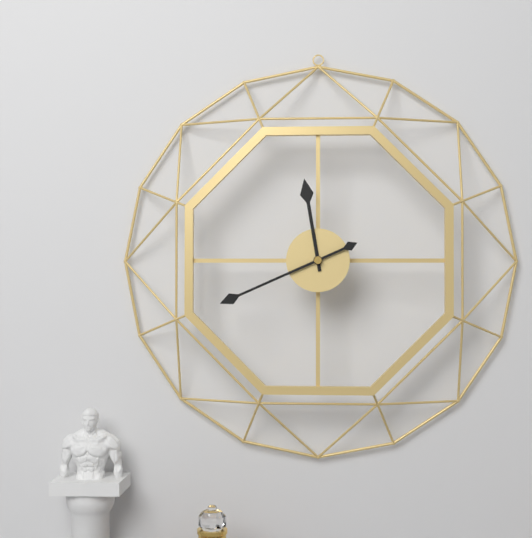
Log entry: 11h41
